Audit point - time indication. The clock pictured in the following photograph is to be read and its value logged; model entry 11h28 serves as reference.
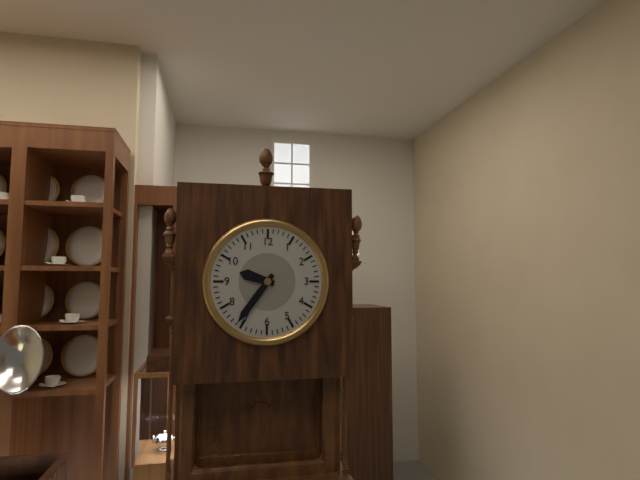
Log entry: 9h36
